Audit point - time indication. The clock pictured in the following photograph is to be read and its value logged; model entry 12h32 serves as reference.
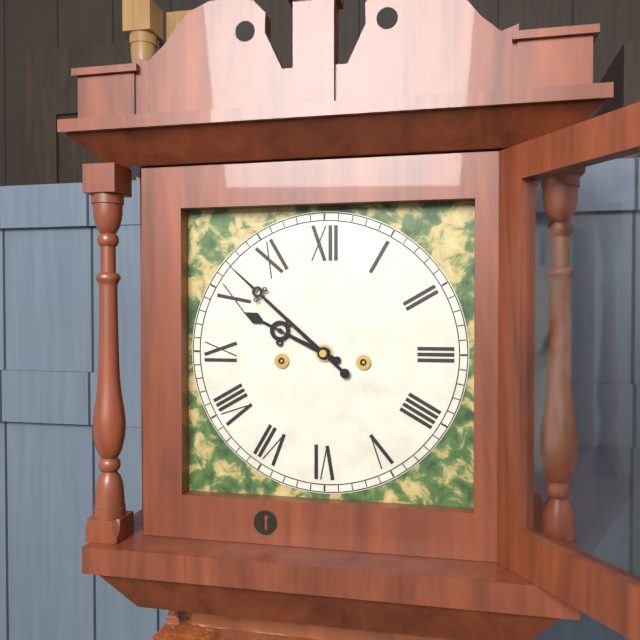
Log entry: 9h52
